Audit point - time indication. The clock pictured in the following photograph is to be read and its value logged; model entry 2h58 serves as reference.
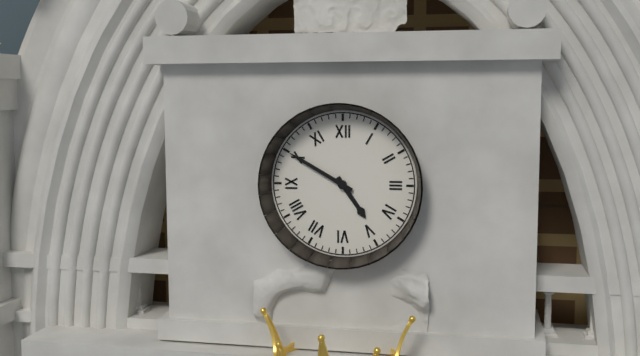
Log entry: 4h50
